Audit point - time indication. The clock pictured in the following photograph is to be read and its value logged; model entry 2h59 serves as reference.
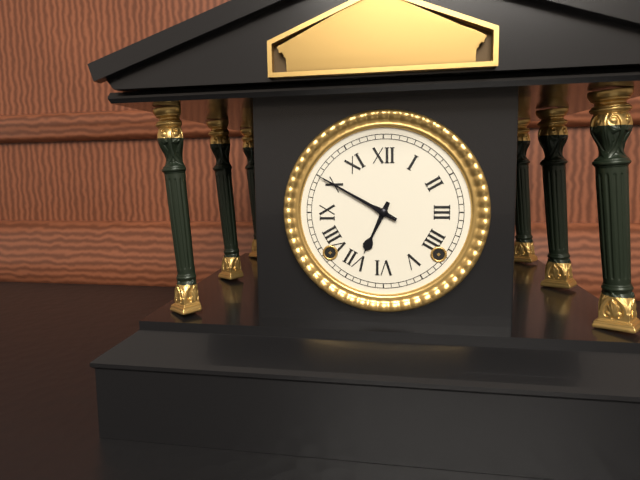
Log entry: 6h50
